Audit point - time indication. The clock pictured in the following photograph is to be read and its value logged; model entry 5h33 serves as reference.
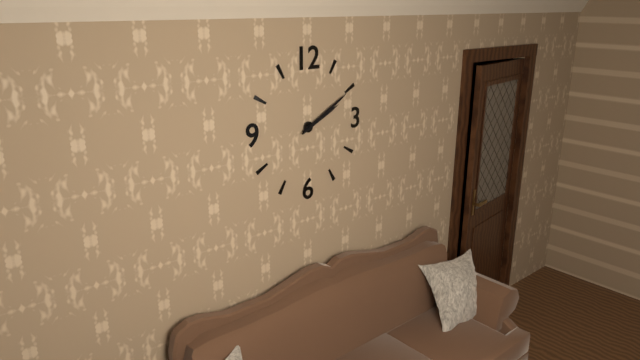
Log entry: 2h10
